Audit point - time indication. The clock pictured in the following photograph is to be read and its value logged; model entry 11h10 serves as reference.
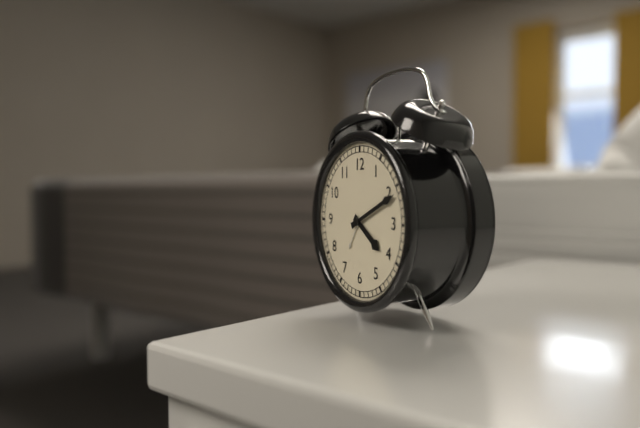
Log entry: 4h11
